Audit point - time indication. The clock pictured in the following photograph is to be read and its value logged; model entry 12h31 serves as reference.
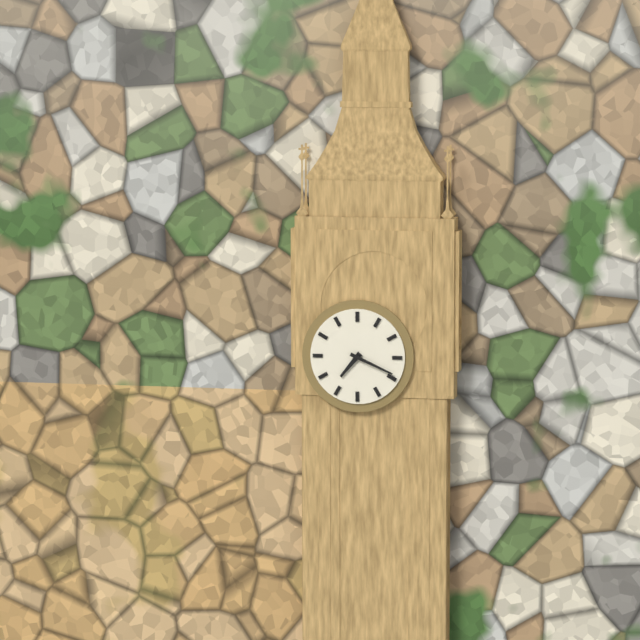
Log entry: 7h19
